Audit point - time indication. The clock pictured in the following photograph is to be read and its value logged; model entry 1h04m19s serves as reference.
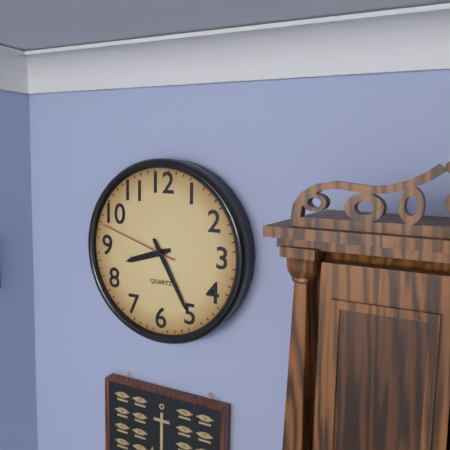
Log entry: 8h25m48s
